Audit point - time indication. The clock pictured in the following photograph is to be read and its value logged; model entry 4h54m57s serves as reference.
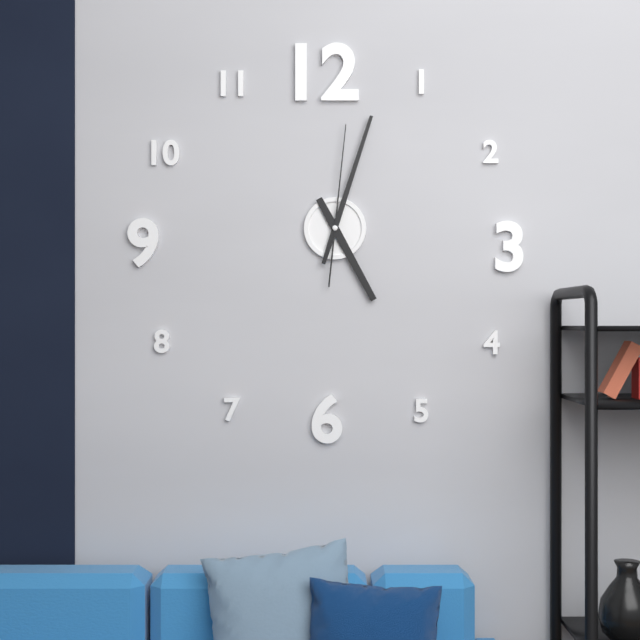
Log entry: 5h03m01s
